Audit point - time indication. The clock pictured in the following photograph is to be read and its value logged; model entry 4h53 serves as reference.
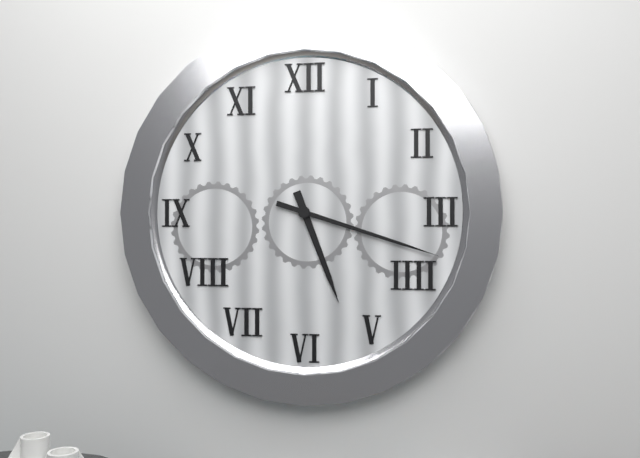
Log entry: 5h18
